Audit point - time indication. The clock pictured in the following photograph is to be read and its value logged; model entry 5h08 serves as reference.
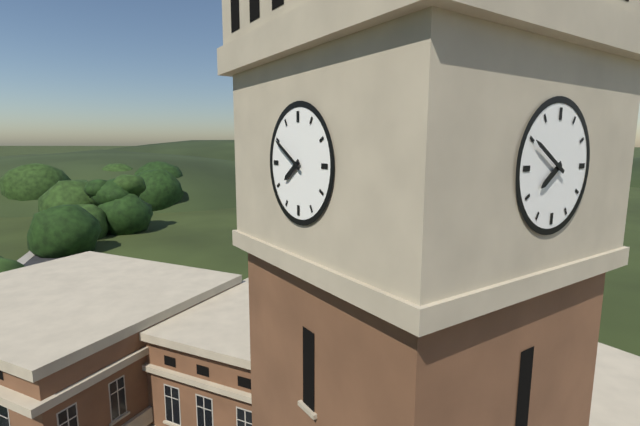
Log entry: 7h50
